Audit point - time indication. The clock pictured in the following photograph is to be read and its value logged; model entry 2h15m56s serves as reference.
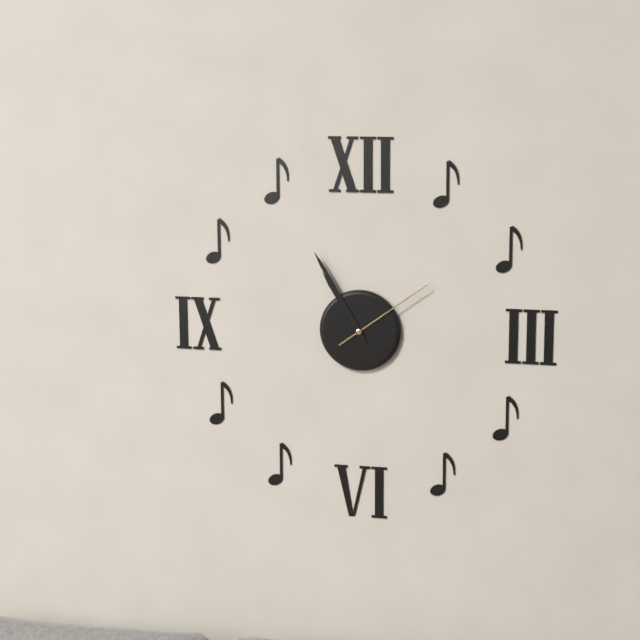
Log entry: 10h55m09s
